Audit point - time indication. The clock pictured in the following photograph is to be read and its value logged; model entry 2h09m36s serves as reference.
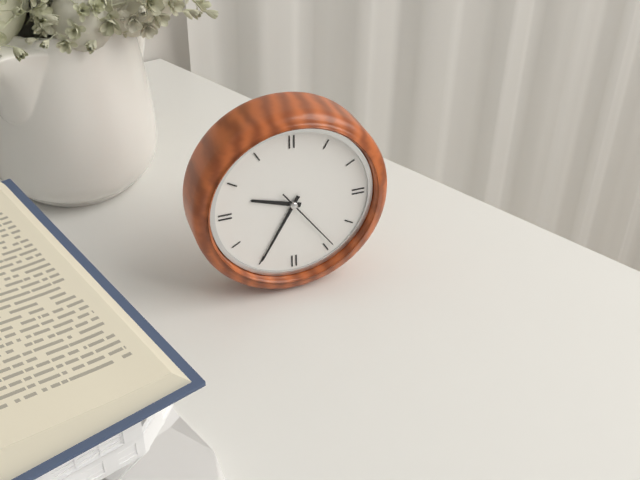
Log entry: 9h35m24s
